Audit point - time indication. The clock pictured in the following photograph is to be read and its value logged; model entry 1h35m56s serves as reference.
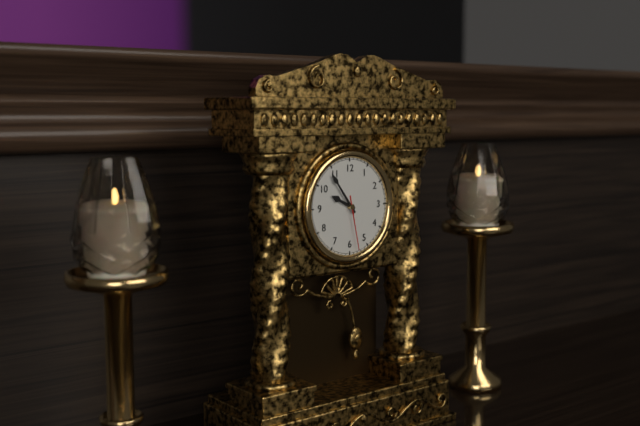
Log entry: 9h54m28s
